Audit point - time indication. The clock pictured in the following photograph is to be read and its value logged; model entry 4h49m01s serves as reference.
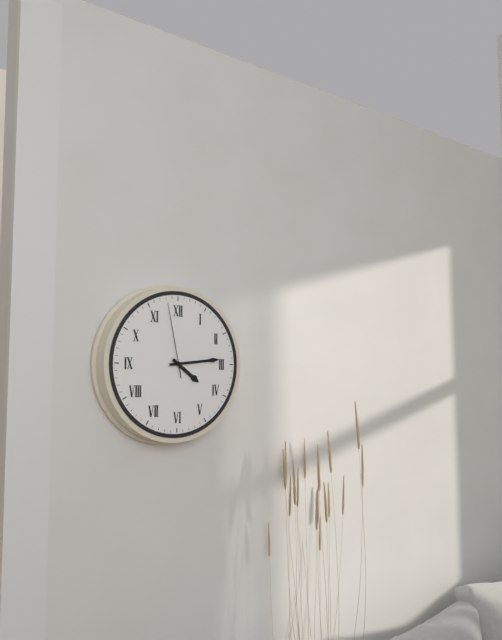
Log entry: 4h14m58s
